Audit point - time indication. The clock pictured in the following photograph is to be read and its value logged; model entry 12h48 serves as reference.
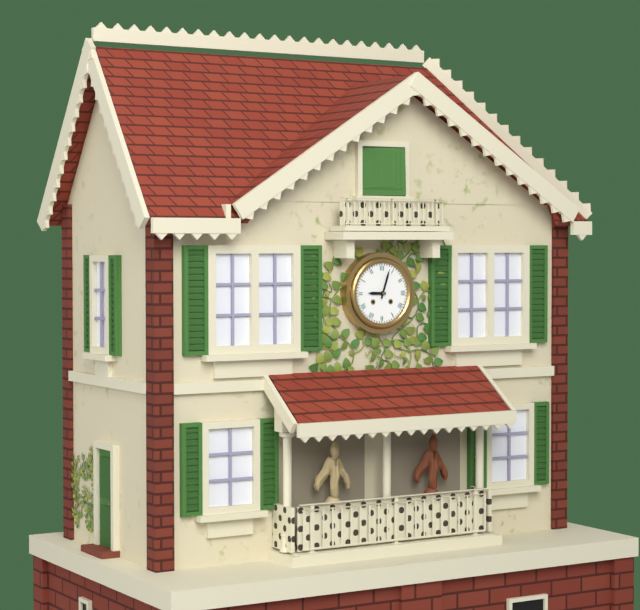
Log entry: 9h03
